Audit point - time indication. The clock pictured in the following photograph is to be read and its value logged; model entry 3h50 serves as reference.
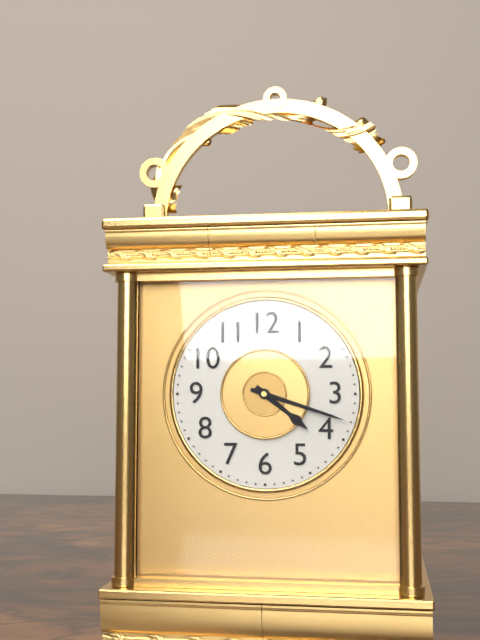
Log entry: 4h18
